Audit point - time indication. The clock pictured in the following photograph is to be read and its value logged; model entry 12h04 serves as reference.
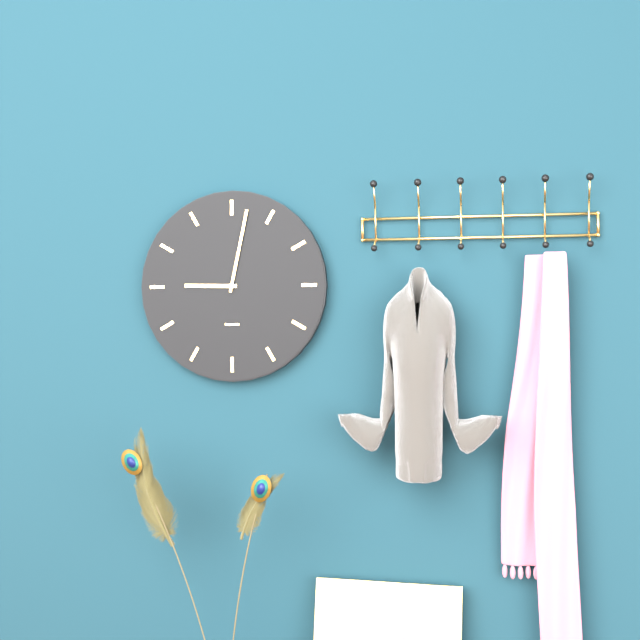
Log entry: 9h02
